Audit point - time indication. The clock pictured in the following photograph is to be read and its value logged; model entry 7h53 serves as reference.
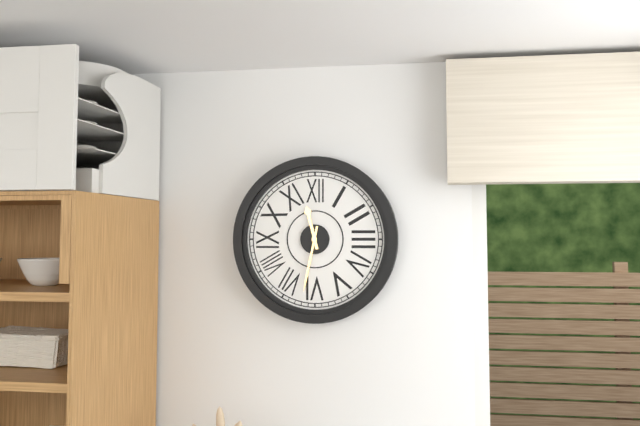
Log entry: 11h32
